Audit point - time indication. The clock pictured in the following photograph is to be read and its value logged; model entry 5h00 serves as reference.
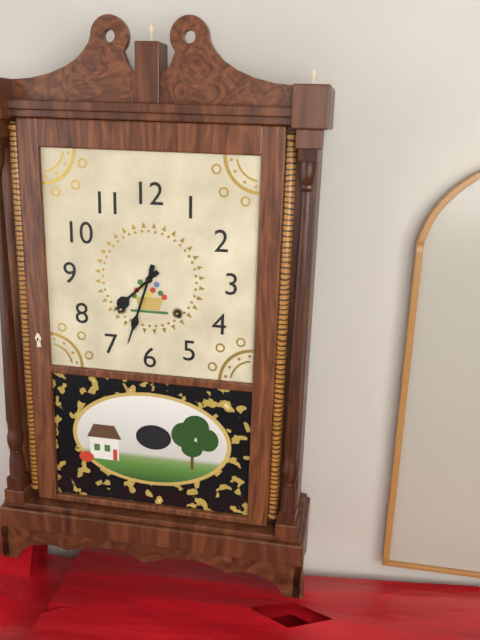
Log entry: 7h33
